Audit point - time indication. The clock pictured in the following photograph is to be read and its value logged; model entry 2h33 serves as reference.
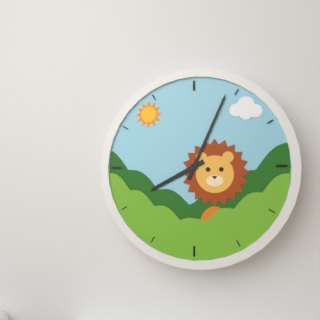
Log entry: 8h04
